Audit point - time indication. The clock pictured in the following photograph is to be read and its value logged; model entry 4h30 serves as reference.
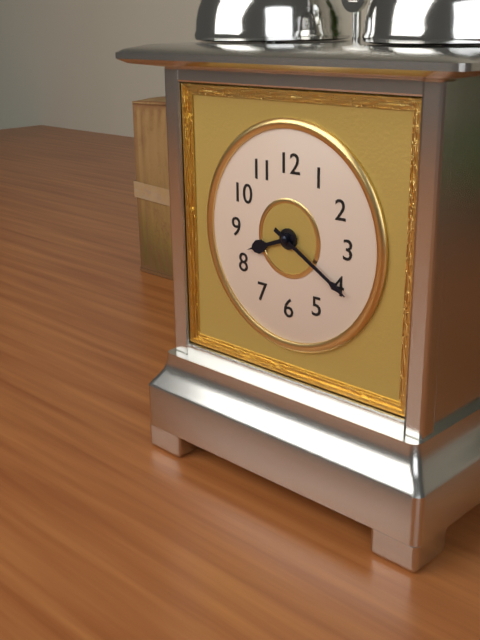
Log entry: 8h20
